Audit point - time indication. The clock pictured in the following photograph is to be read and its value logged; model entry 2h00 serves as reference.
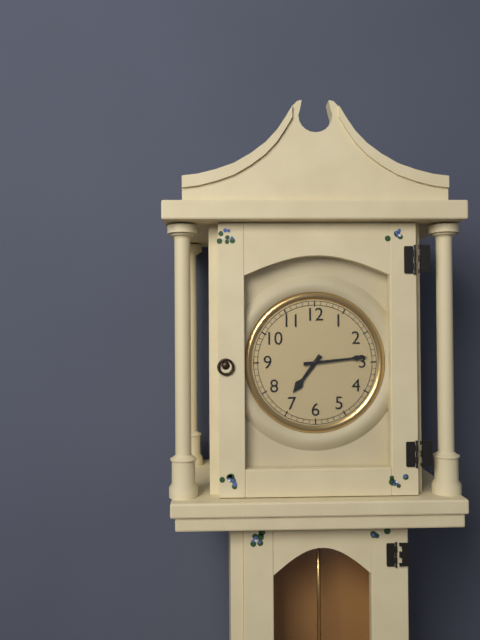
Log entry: 7h14
